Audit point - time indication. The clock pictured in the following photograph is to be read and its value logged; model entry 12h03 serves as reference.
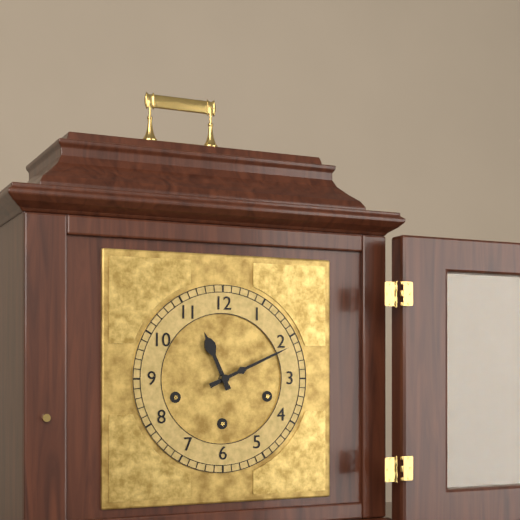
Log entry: 11h11
